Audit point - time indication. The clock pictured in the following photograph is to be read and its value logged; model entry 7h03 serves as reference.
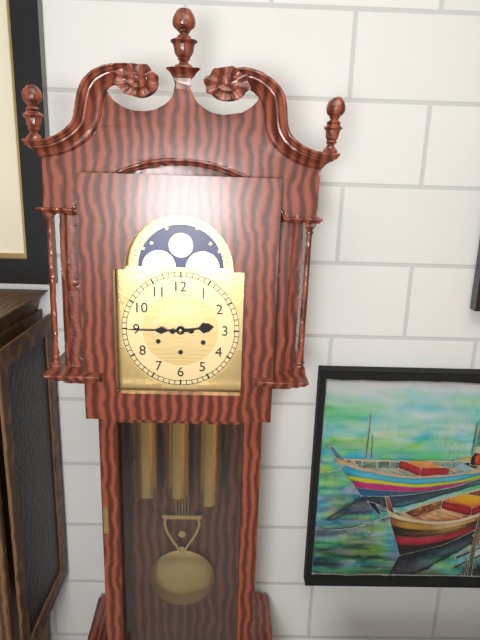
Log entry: 2h45
